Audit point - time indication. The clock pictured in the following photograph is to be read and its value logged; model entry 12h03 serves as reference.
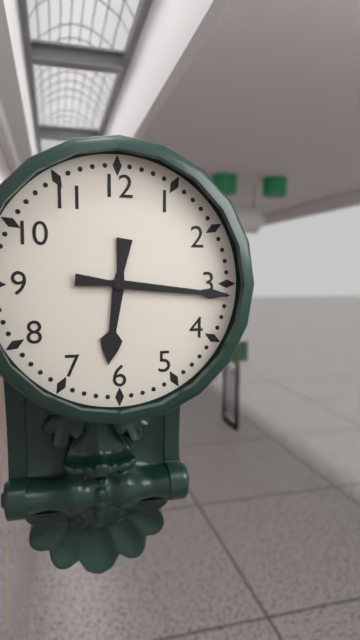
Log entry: 6h16
